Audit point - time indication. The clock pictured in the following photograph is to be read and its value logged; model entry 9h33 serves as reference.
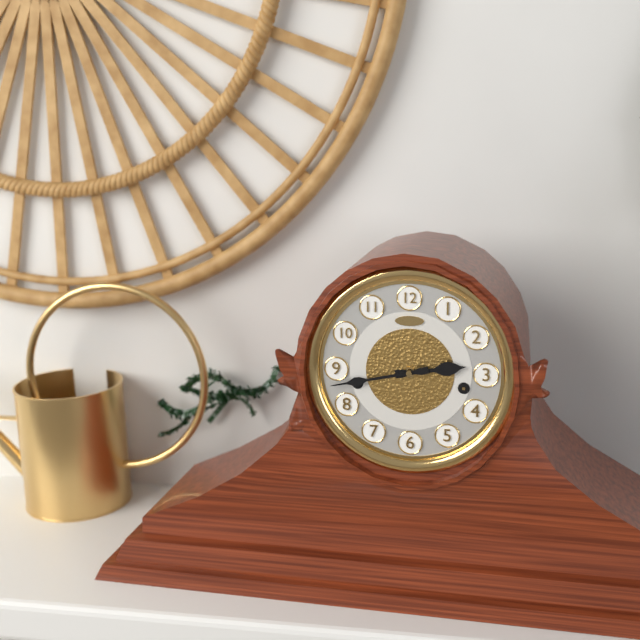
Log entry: 2h43
